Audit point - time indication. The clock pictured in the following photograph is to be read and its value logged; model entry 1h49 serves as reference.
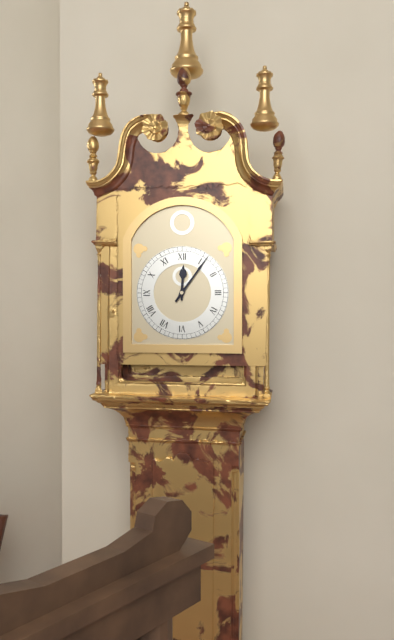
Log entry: 12h06
